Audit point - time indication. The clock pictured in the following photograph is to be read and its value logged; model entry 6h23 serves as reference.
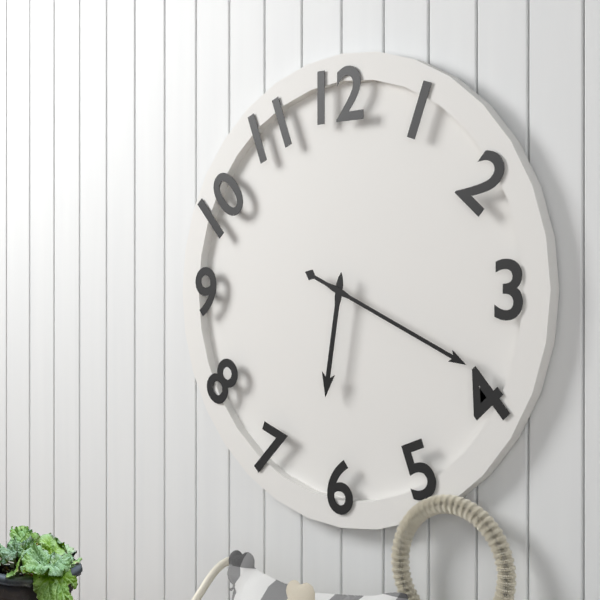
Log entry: 6h19
